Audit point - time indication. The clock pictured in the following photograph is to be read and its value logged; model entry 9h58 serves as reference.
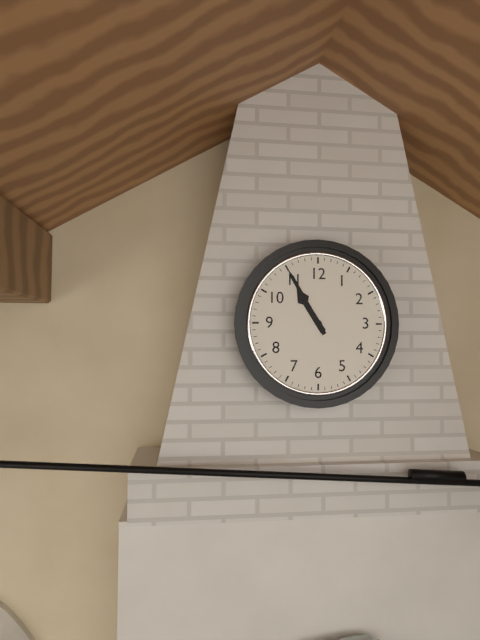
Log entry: 10h55
